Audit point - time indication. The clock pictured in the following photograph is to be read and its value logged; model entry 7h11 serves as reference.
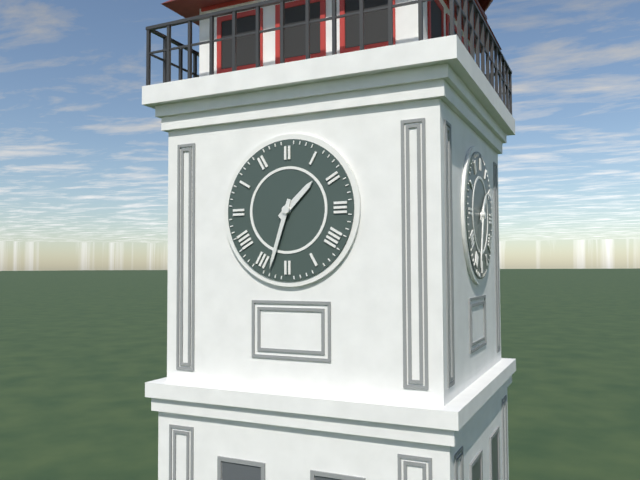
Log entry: 1h33
